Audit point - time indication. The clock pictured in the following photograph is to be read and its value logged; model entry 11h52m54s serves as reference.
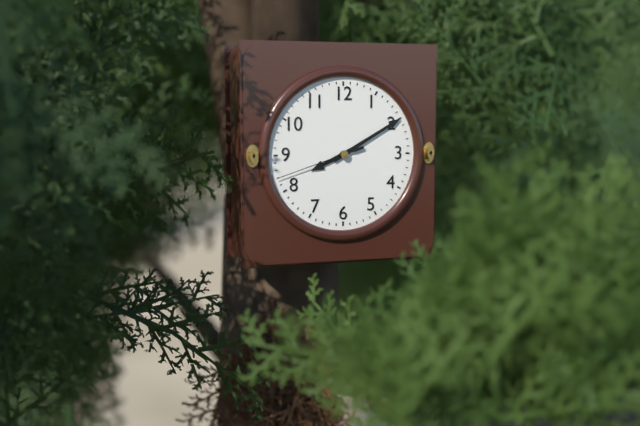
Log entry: 8h10m42s
